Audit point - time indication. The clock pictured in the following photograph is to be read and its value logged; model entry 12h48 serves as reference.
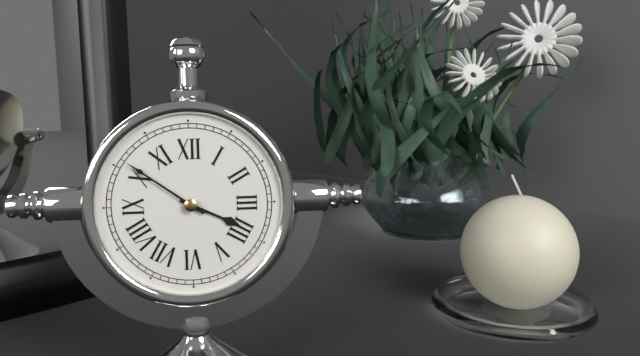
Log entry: 3h51
